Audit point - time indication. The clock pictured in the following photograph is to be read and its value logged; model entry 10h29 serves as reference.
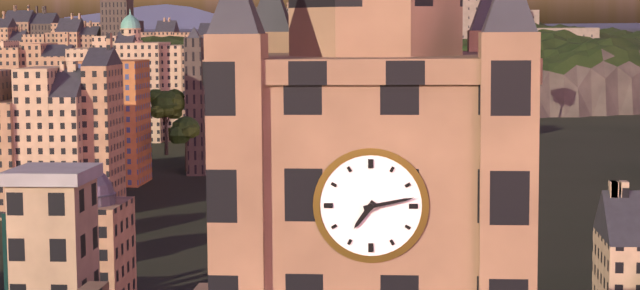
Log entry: 7h13
